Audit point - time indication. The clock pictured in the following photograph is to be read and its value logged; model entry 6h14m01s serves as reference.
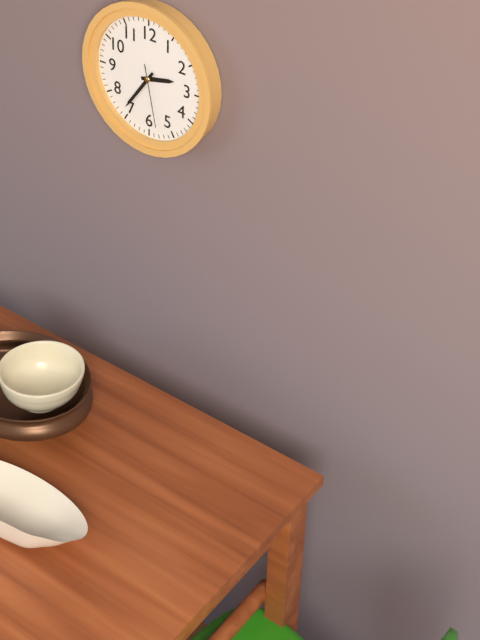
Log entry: 2h36m28s
